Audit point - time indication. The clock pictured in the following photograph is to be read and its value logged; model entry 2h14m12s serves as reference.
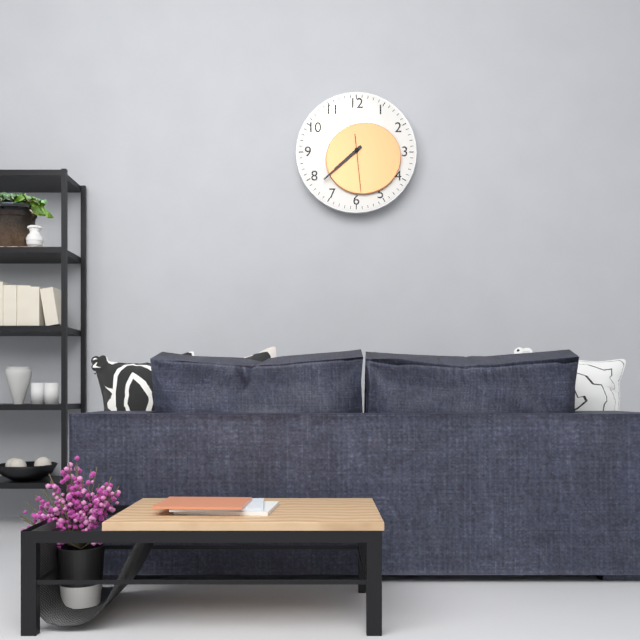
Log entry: 7h38m29s
